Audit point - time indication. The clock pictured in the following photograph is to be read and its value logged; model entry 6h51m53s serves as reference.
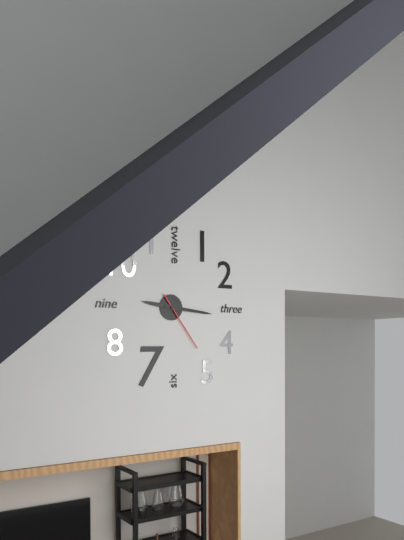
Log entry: 9h16m24s
